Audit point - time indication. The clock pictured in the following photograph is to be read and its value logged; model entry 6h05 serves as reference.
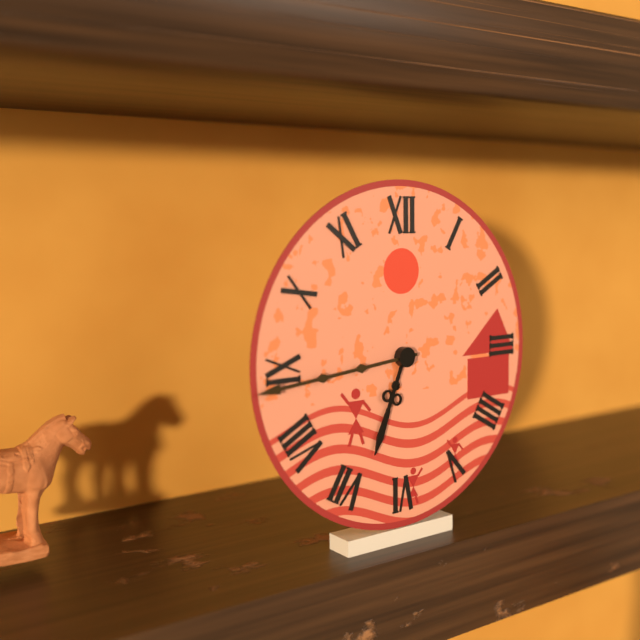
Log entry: 6h44
